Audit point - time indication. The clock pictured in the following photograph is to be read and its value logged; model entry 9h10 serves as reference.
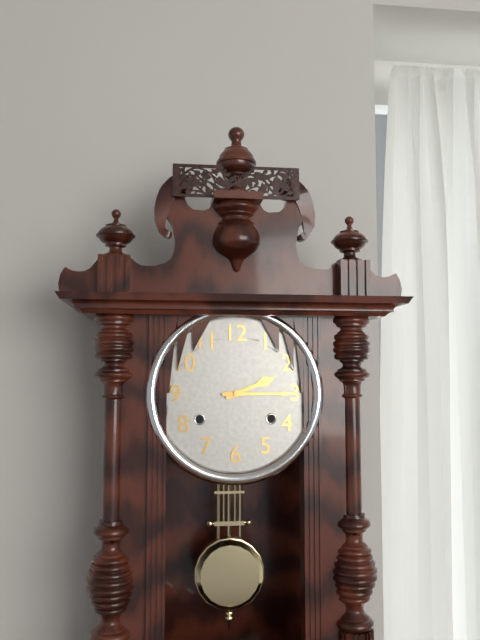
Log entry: 2h15
